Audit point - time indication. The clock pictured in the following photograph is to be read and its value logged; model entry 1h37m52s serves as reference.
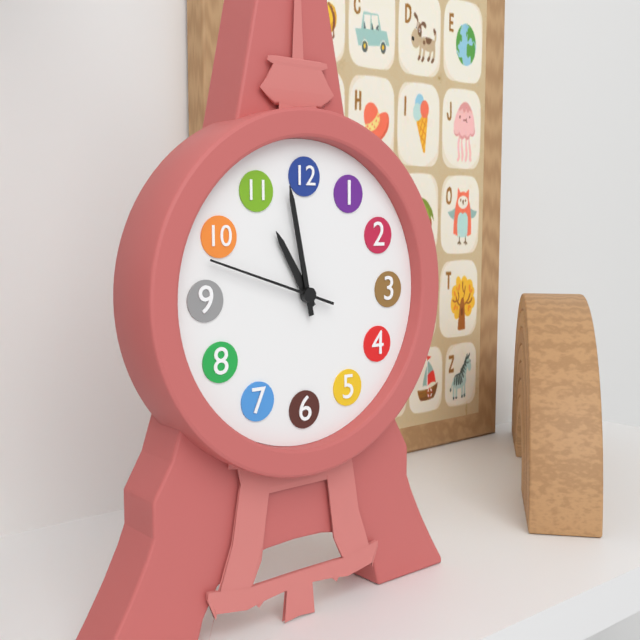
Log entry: 10h58m48s
